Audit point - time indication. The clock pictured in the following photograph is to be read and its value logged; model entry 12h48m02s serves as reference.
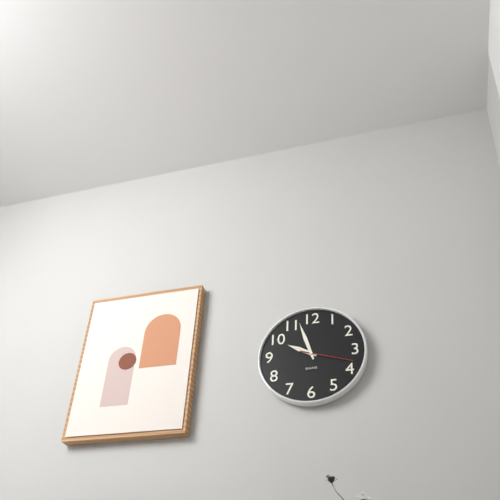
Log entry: 9h57m18s
